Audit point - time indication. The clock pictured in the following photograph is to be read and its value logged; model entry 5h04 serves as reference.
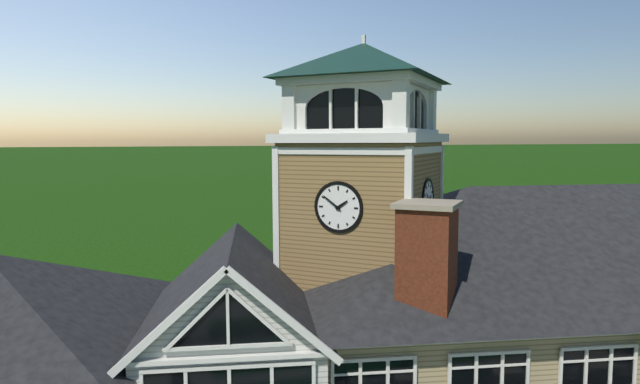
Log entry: 1h51
